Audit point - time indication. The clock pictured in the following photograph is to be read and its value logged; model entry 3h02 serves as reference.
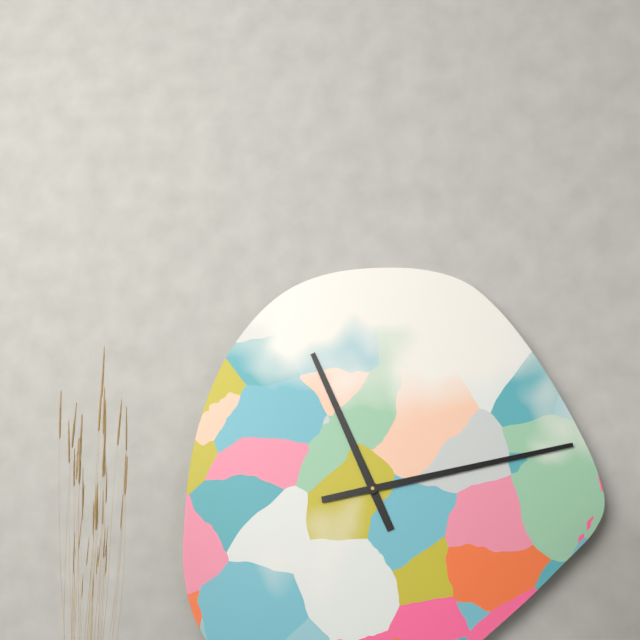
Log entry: 11h13
